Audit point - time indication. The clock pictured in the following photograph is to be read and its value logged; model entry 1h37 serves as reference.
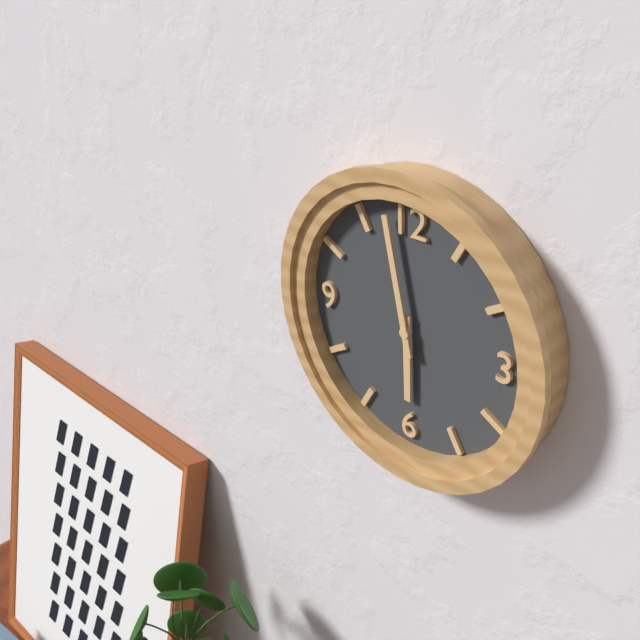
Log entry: 5h58
